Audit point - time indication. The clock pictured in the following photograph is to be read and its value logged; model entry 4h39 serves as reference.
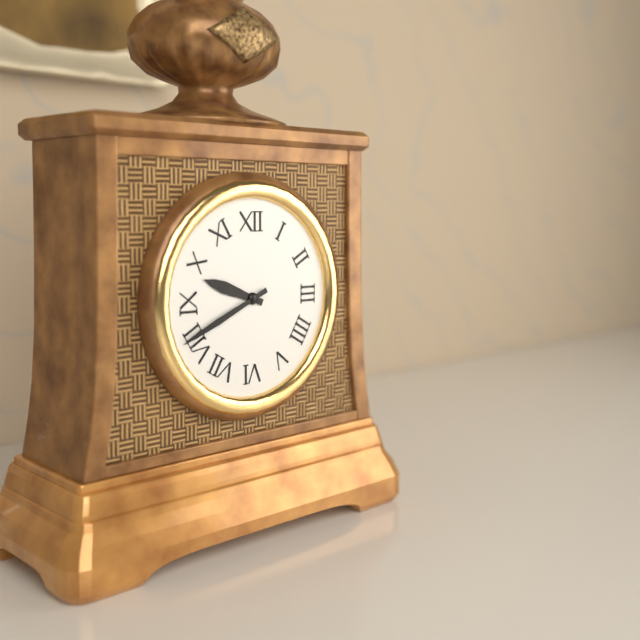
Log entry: 9h41
